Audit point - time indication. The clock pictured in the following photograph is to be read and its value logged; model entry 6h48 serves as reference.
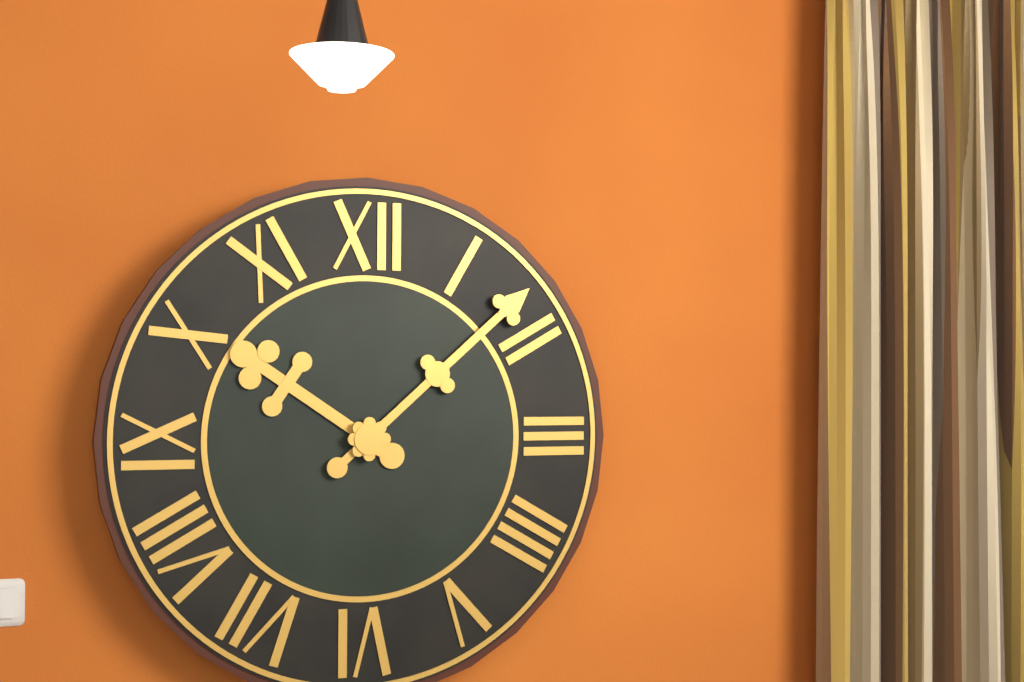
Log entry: 10h08
